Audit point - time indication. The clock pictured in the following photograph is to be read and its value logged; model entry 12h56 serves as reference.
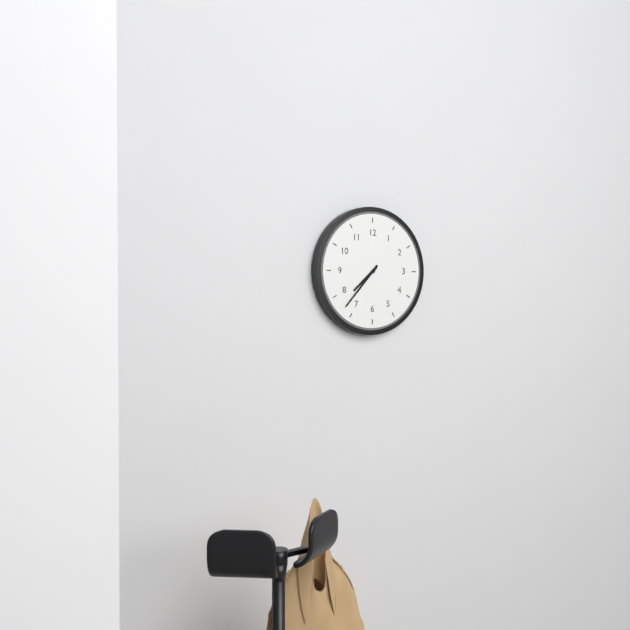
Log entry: 7h37
